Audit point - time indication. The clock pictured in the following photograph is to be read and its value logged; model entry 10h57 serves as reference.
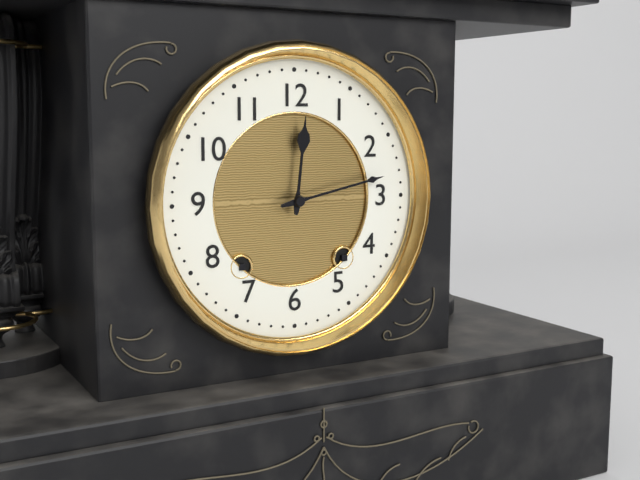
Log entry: 12h13
